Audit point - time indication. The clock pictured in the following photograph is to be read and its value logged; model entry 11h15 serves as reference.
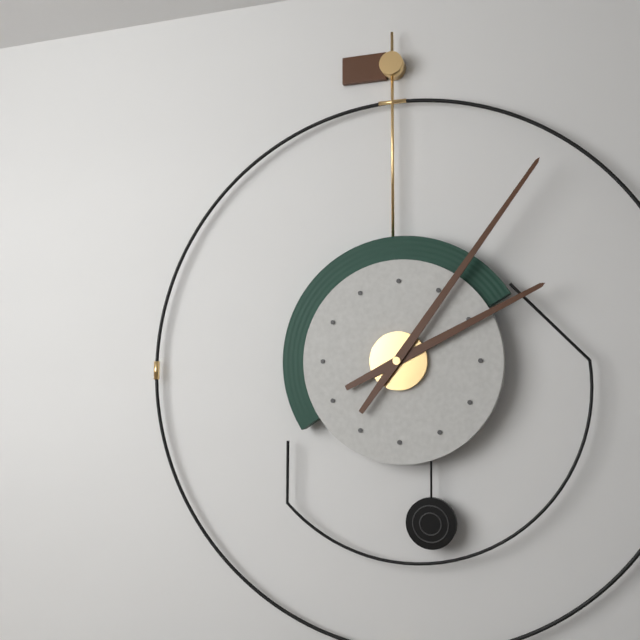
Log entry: 2h06
